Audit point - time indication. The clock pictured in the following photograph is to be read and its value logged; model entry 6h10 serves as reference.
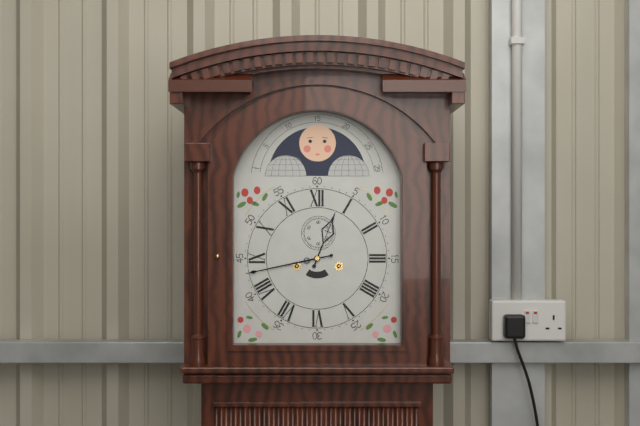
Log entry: 12h43
